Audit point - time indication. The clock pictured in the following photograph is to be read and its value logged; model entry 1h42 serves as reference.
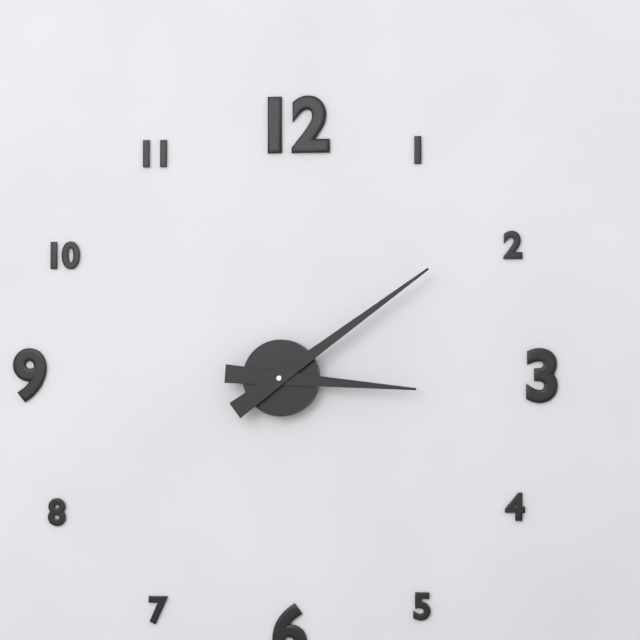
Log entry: 3h09
